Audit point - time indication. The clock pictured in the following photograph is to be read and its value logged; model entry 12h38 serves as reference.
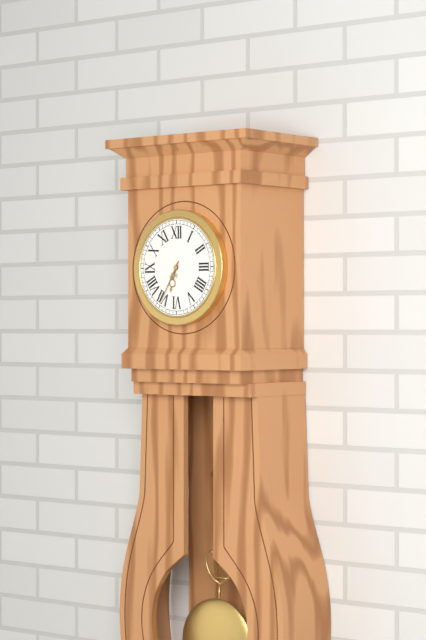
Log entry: 6h35
